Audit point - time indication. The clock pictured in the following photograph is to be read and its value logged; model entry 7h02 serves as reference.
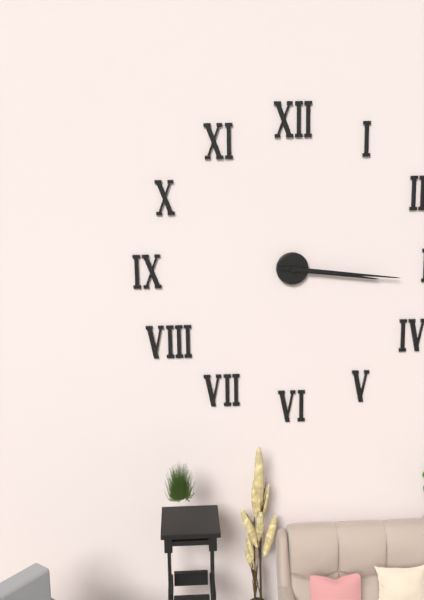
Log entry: 3h16
